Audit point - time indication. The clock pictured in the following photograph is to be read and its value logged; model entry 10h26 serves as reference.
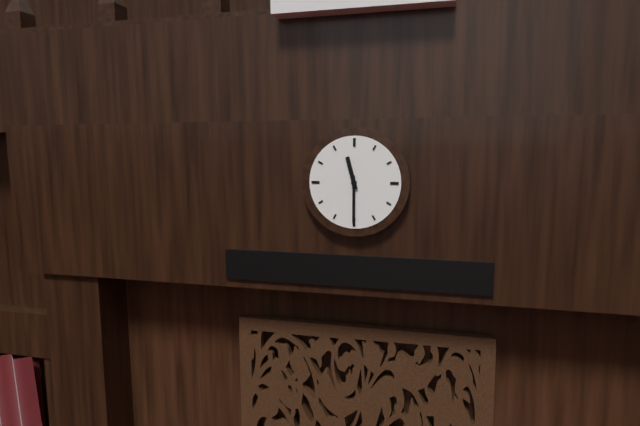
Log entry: 11h30
